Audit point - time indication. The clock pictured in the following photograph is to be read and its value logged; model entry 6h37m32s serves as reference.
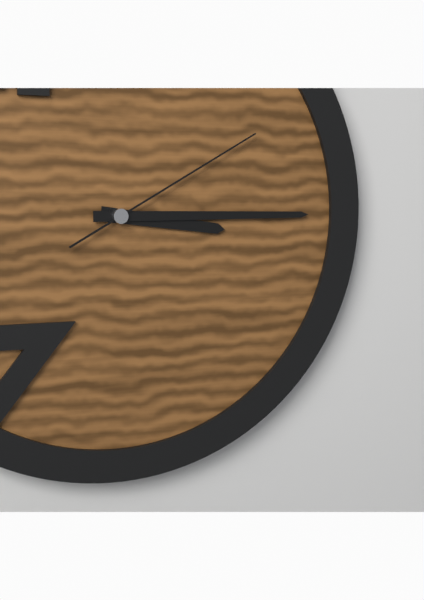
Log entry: 3h15m10s
